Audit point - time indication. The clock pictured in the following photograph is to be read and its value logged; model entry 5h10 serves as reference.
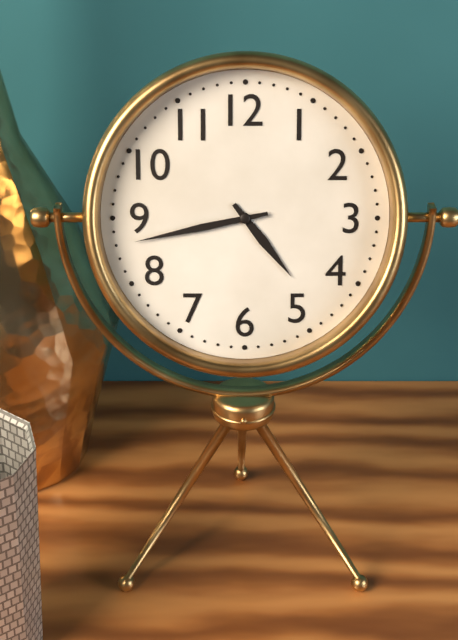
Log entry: 4h43
